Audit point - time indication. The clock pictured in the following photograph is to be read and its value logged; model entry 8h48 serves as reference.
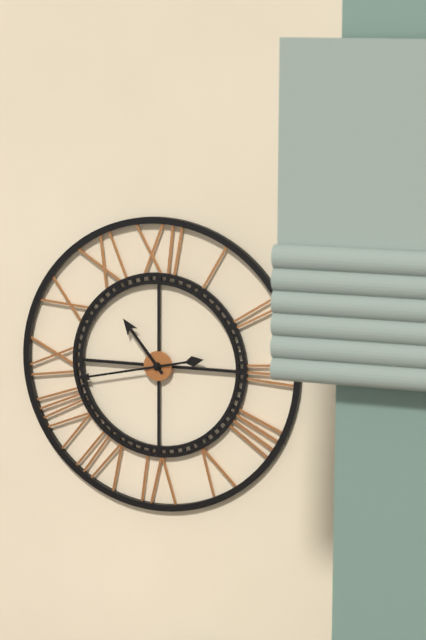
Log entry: 10h43
